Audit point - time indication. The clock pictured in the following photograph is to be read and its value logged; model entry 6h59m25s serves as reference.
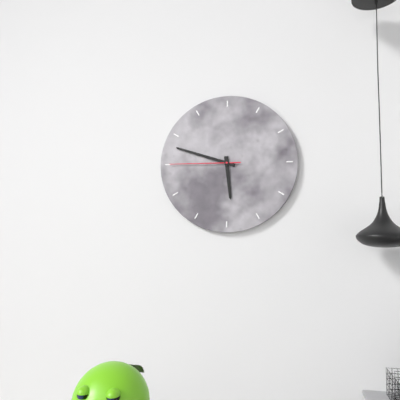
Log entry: 5h48m45s
